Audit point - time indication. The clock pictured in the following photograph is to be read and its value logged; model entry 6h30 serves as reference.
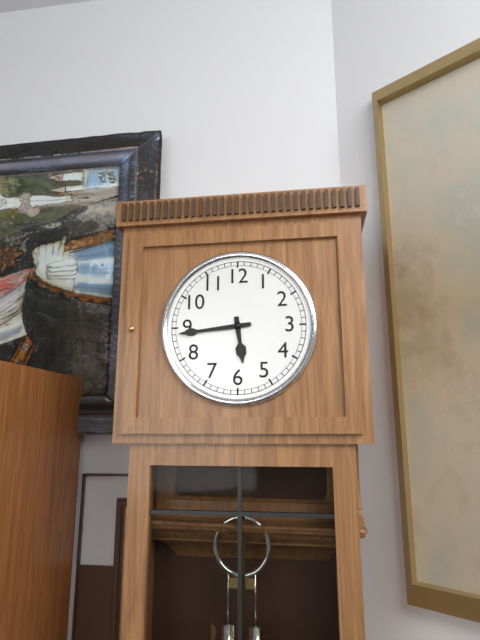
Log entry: 5h44
